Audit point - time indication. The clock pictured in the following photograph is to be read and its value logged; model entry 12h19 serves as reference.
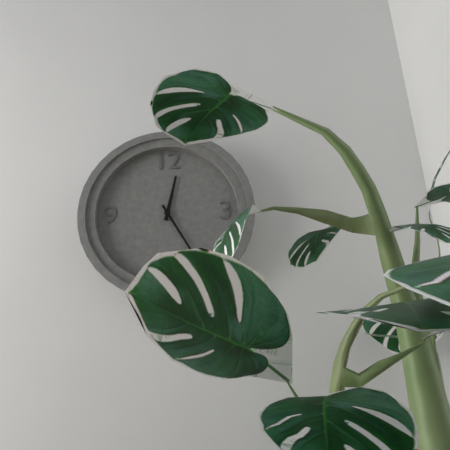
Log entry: 12h25
